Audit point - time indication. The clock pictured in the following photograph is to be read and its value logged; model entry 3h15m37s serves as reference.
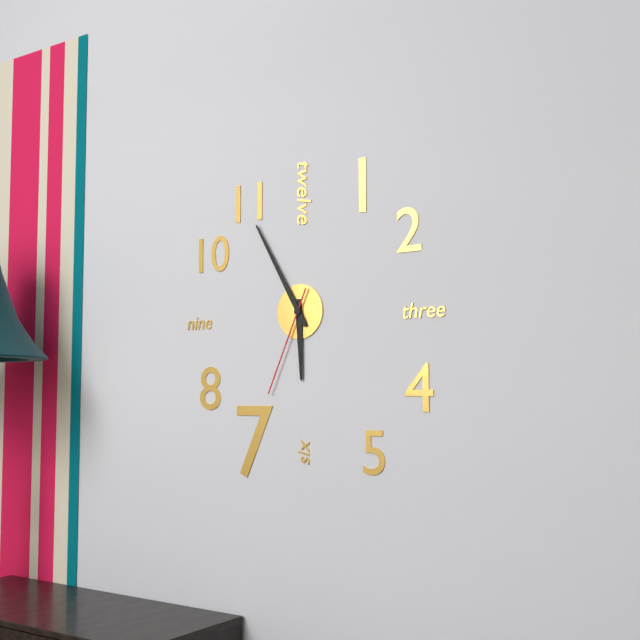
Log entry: 5h55m34s
